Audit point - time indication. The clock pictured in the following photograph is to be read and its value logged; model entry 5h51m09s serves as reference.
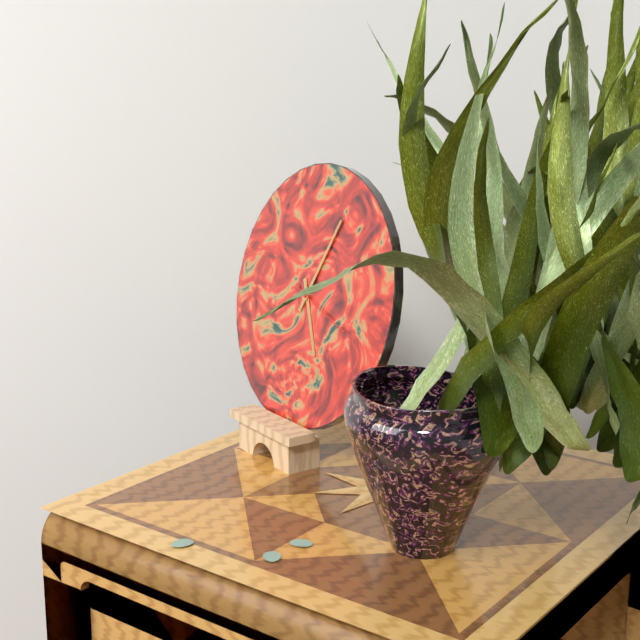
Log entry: 5h04m18s
